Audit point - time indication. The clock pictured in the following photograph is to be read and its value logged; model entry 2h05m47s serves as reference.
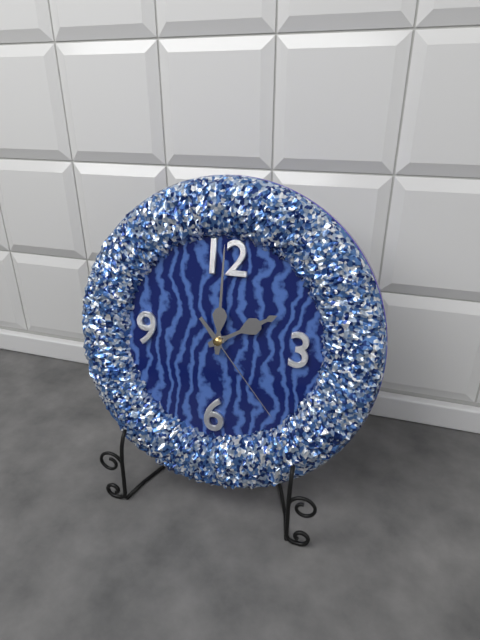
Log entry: 2h00m23s
